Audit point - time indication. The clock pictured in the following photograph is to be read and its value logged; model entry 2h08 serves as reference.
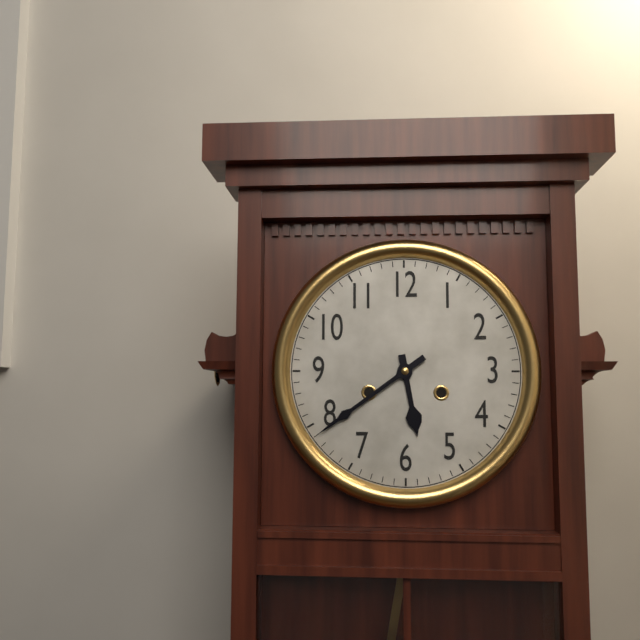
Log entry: 5h39
